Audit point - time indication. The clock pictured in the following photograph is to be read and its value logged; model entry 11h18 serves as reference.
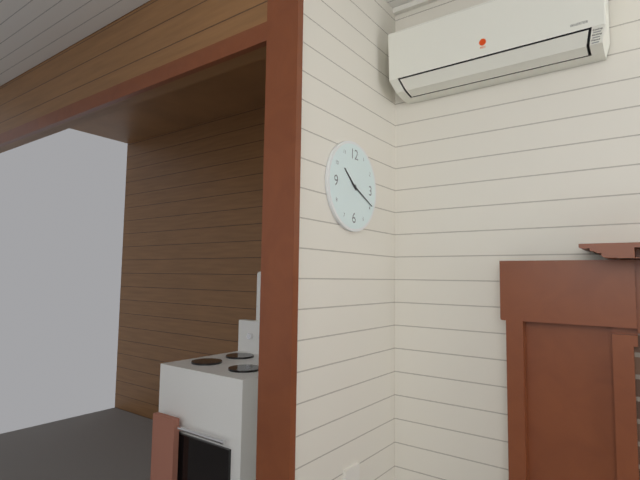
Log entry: 10h19
